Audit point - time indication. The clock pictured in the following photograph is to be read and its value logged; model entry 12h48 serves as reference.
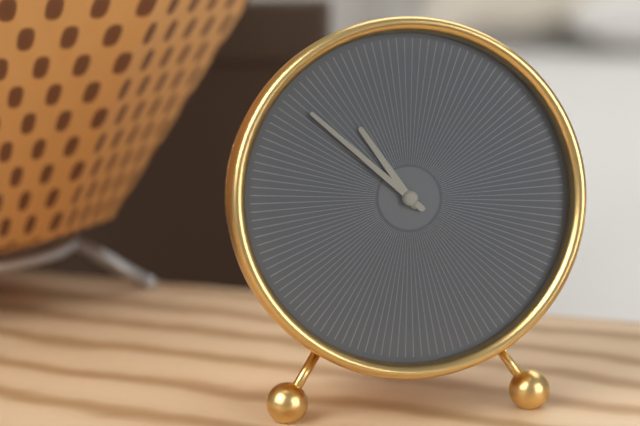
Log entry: 10h52
